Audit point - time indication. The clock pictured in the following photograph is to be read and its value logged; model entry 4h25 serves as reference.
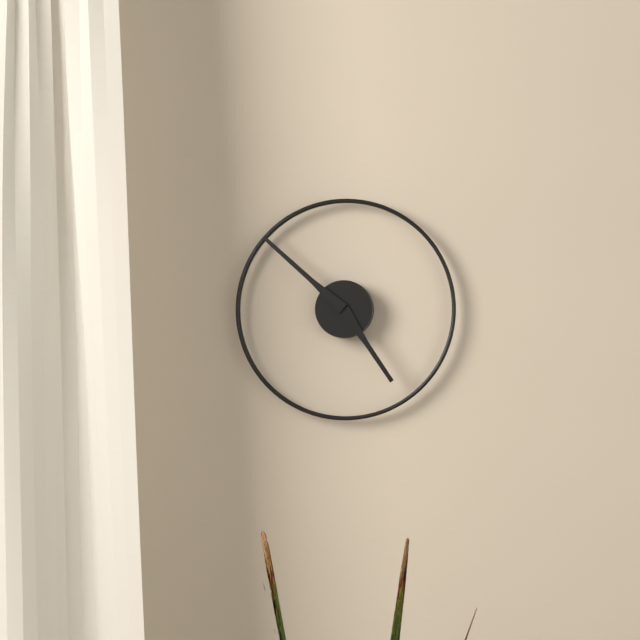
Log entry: 4h52
